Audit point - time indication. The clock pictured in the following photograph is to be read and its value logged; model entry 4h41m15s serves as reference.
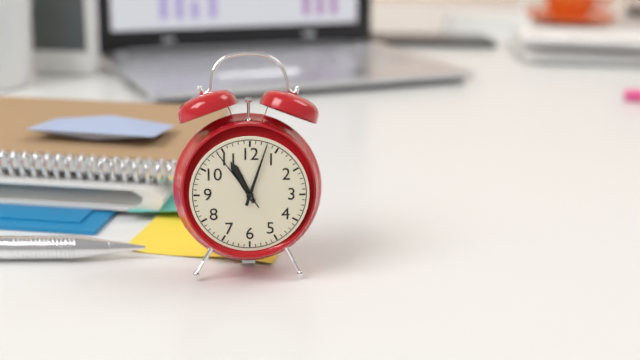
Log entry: 11h03m54s
